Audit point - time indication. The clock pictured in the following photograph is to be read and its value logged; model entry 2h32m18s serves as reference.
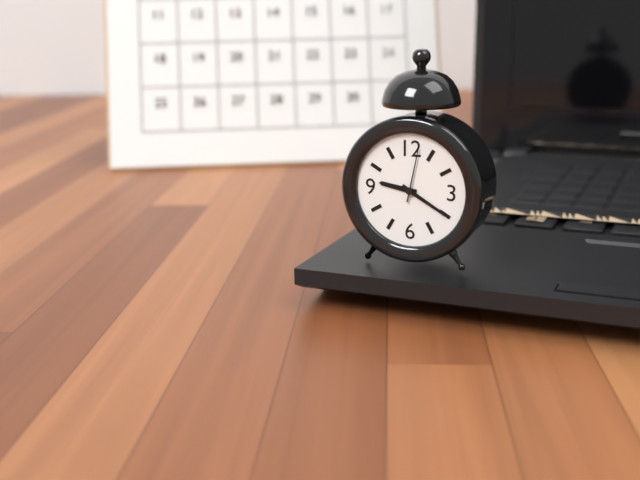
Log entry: 9h20m02s
